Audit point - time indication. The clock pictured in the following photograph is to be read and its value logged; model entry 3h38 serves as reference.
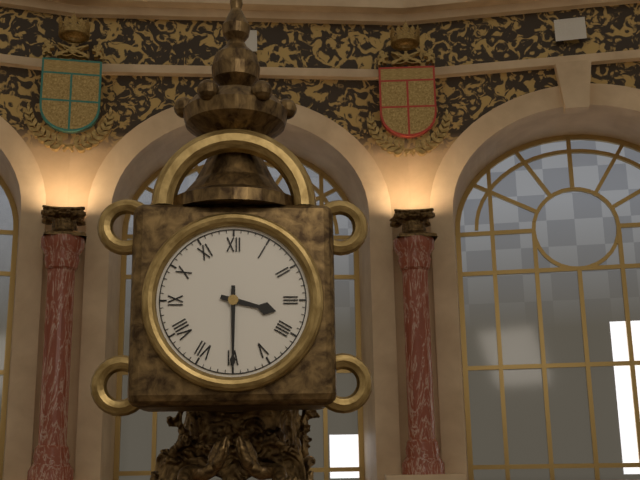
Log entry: 3h30
